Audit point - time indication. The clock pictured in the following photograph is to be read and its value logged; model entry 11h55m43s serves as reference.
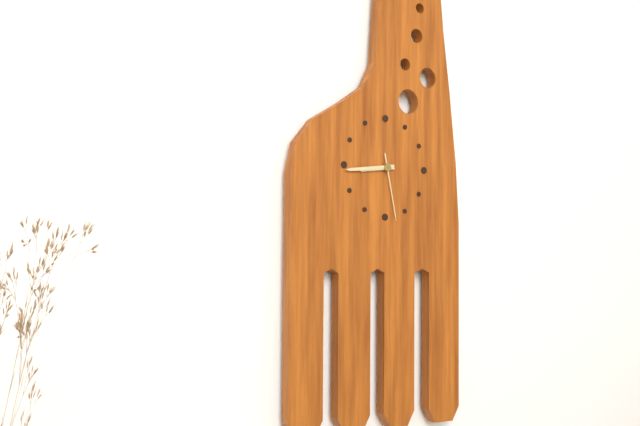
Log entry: 8h44m28s
